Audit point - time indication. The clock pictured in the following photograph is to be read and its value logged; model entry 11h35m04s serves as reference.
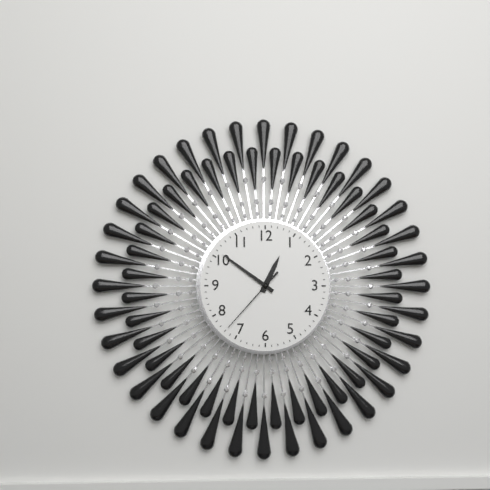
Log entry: 12h51m37s
